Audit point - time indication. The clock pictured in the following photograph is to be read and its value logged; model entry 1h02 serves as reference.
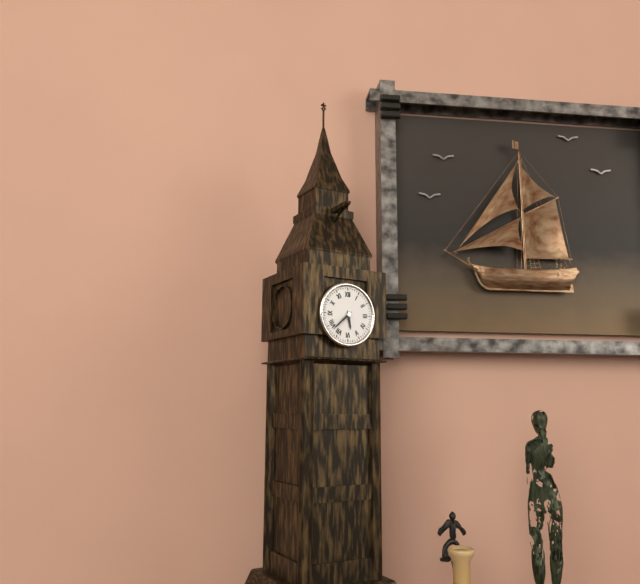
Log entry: 5h38
